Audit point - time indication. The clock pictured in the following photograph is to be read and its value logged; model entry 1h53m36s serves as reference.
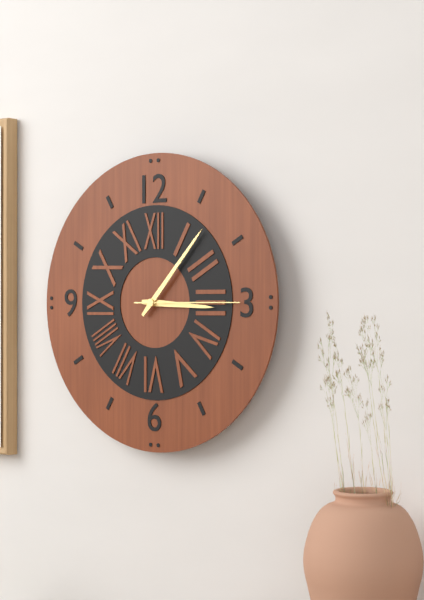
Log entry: 3h07m15s
